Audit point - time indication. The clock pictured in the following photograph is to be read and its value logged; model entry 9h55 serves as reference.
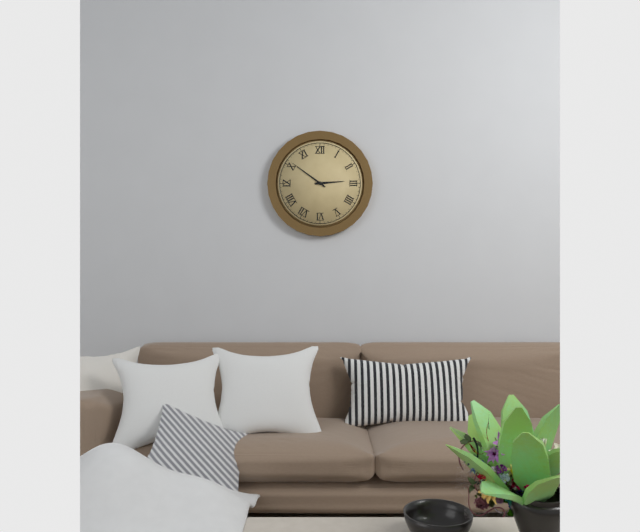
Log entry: 2h51
